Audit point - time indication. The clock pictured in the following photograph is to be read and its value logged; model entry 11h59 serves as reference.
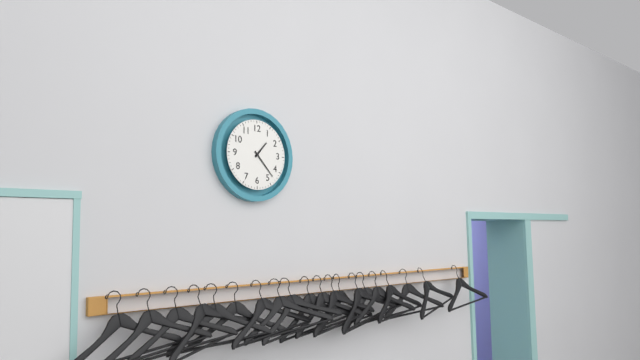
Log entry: 1h23
